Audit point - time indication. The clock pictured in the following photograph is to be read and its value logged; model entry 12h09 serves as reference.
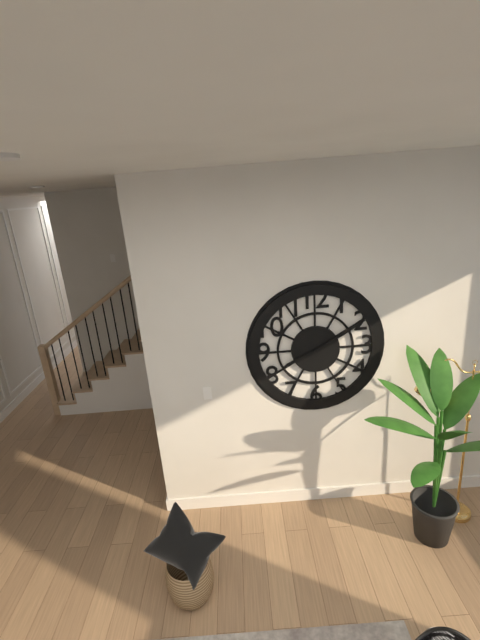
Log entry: 8h10
